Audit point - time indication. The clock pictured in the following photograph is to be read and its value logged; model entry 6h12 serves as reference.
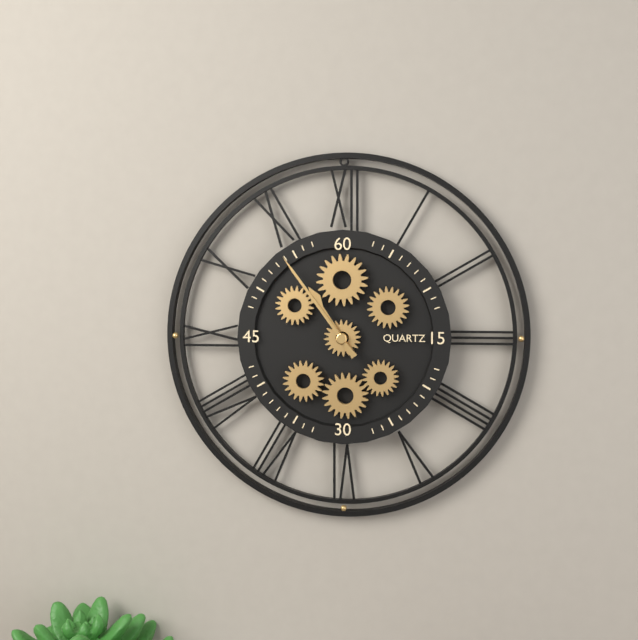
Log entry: 10h54
